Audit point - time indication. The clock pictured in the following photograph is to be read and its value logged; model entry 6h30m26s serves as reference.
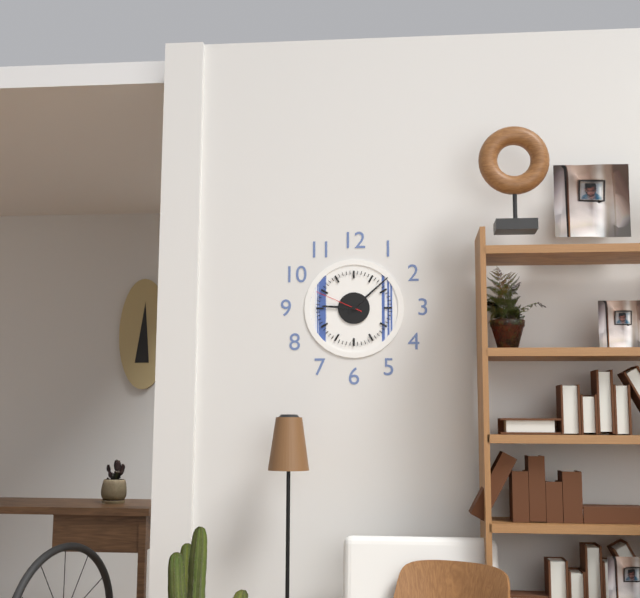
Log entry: 9h08m49s
